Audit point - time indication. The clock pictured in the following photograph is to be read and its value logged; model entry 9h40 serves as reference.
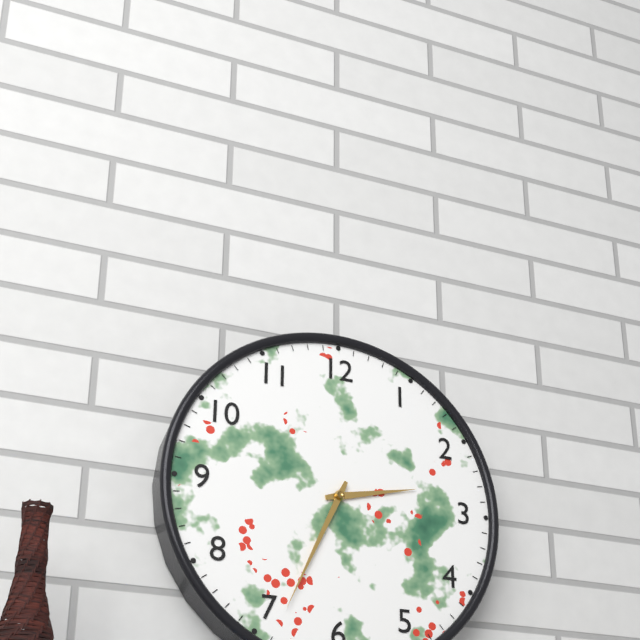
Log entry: 2h34
